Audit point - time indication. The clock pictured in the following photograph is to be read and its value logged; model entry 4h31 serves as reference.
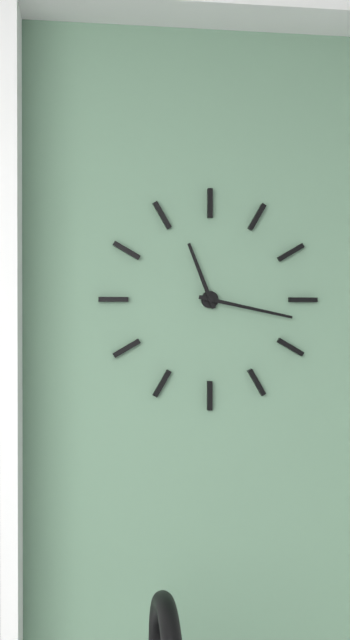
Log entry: 11h17
